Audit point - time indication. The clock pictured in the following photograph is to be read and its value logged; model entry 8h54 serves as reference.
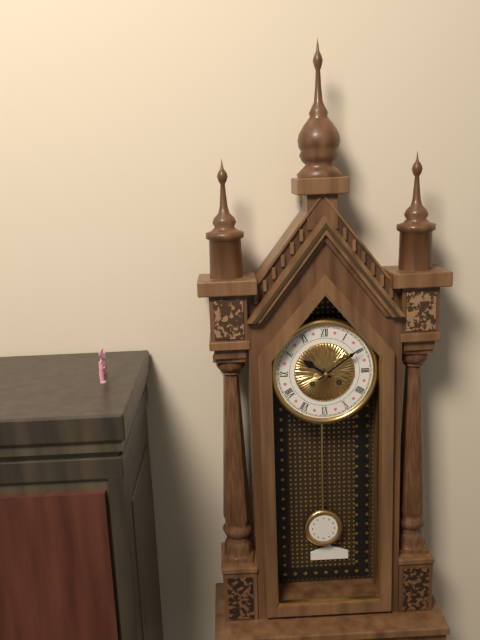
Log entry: 10h09
